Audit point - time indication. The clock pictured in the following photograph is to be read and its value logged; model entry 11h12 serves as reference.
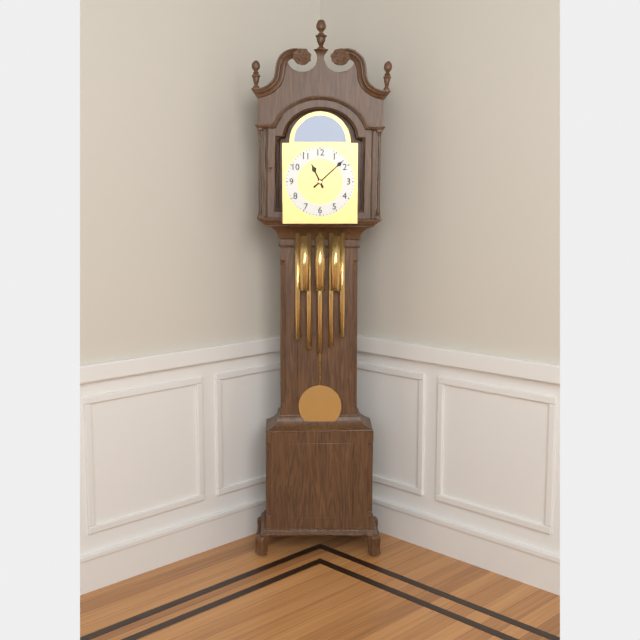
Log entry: 11h08
